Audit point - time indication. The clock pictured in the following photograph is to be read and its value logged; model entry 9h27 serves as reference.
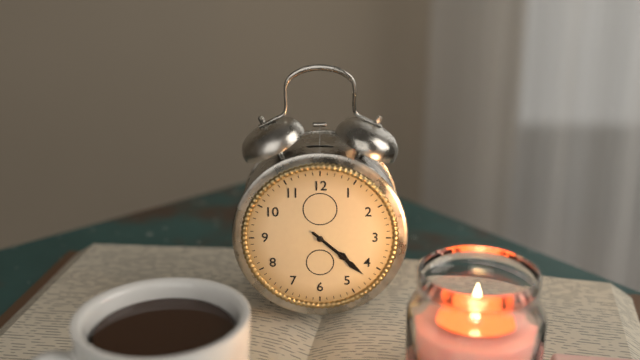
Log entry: 4h22
